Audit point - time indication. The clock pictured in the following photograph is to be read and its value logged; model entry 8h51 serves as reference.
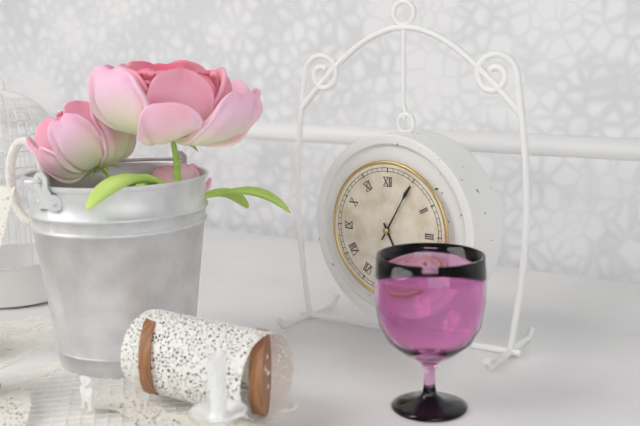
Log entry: 5h05
